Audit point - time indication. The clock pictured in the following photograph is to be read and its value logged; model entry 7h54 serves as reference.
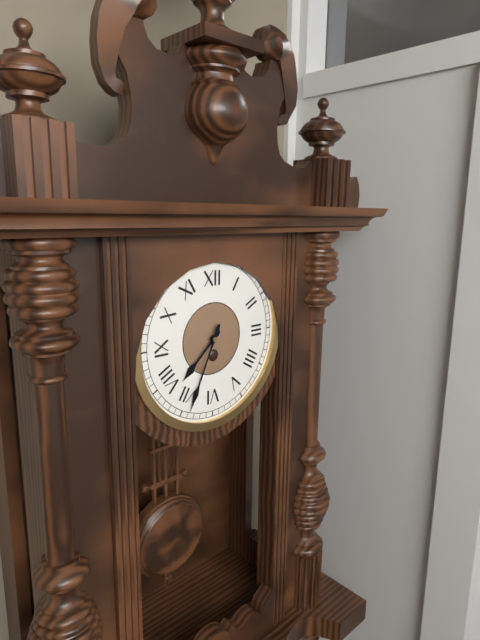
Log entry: 7h34
